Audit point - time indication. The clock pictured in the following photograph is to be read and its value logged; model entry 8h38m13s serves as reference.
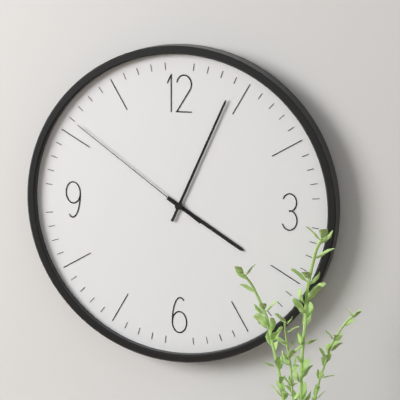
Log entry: 4h04m51s
